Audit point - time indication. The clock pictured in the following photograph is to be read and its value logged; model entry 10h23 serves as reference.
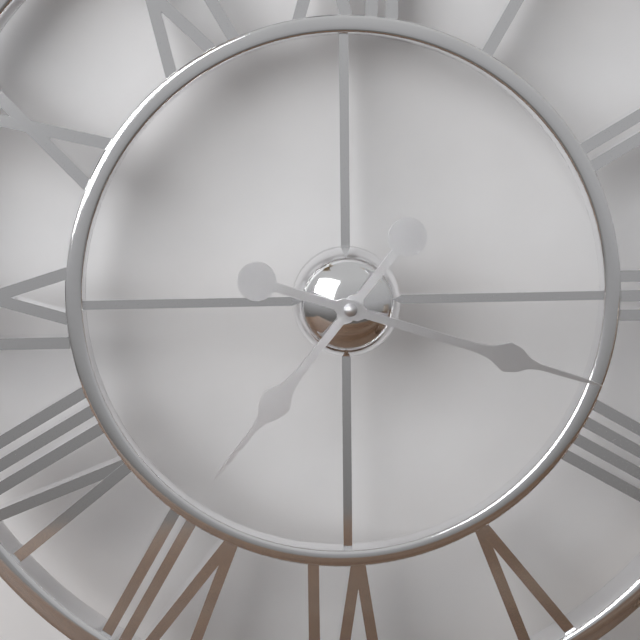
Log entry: 7h18
